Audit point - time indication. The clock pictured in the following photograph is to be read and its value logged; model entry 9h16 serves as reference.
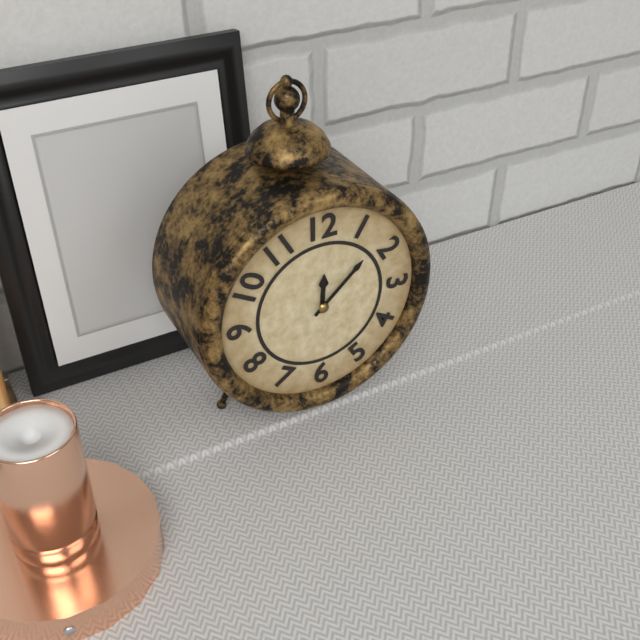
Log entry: 12h08
